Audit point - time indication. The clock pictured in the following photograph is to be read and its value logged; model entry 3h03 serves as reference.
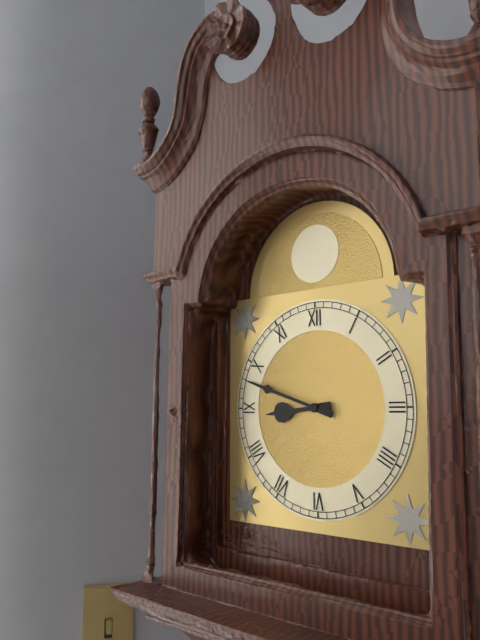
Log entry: 8h48
